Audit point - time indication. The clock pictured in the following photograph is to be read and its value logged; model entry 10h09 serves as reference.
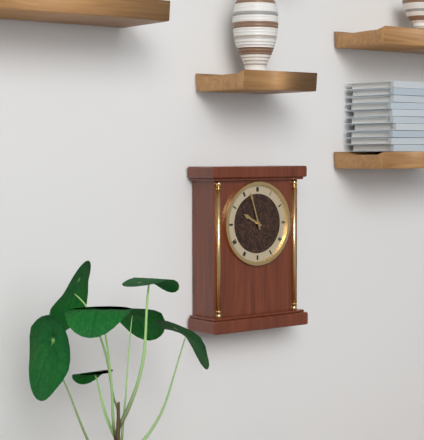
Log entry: 9h57
